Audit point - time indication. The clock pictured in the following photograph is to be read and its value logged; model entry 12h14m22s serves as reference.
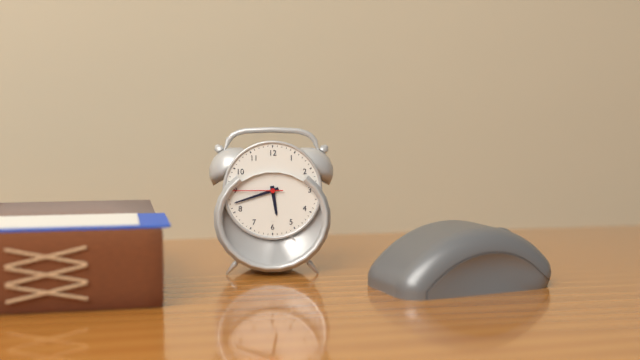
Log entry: 5h42m45s
